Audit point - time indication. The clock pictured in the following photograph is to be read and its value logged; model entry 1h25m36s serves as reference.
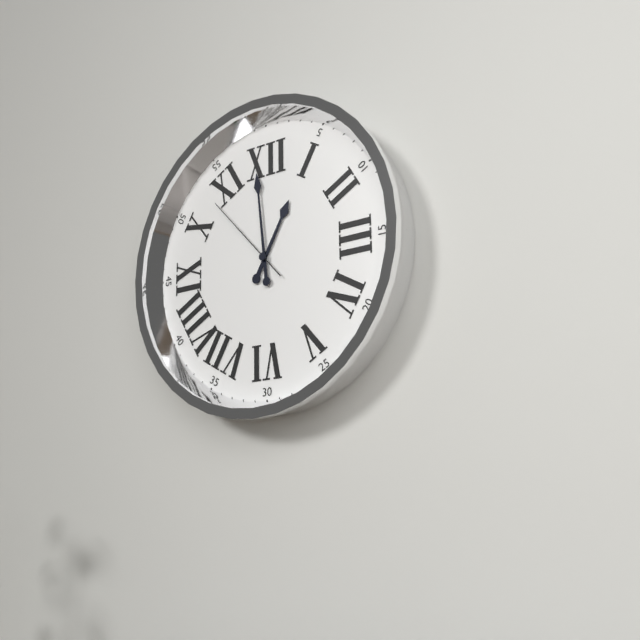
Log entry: 12h59m53s
